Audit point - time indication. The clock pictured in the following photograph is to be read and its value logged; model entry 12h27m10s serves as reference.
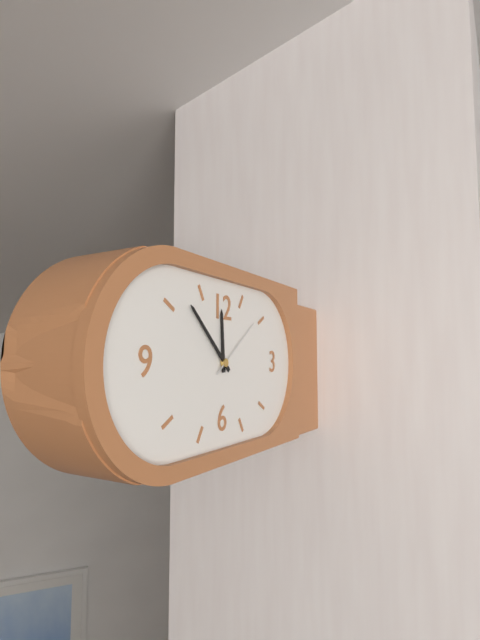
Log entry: 11h52m09s
